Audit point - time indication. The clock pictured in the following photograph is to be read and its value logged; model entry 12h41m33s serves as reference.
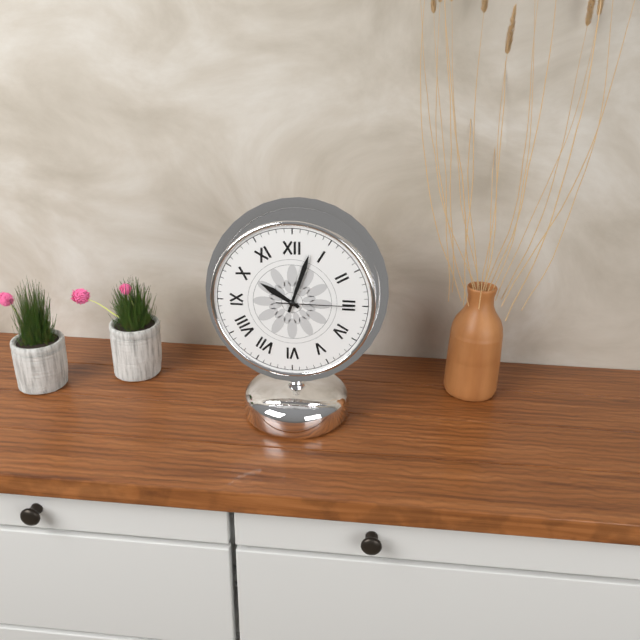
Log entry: 10h03m15s
